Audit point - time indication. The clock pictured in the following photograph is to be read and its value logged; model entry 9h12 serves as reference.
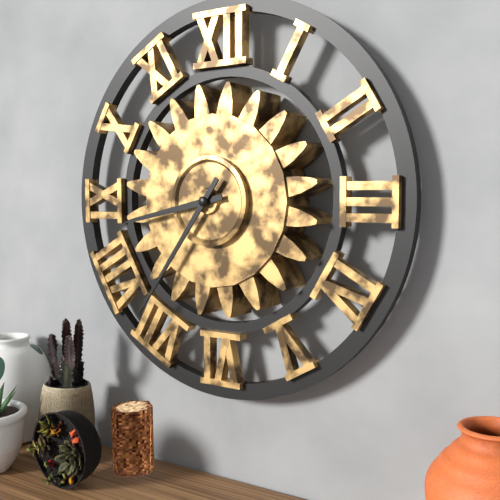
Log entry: 8h36
